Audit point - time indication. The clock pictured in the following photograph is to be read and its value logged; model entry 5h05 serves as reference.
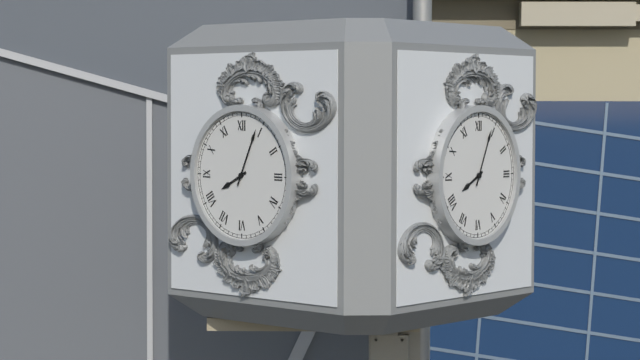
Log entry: 8h04
